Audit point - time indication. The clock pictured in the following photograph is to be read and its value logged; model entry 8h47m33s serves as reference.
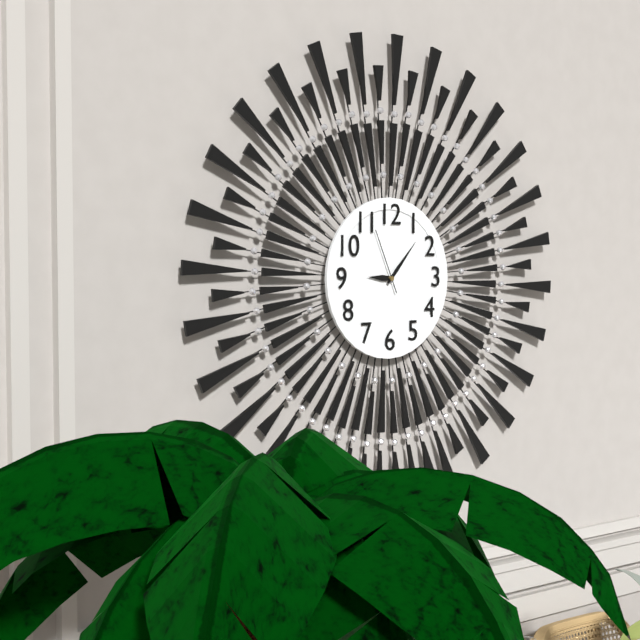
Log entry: 9h07m56s
